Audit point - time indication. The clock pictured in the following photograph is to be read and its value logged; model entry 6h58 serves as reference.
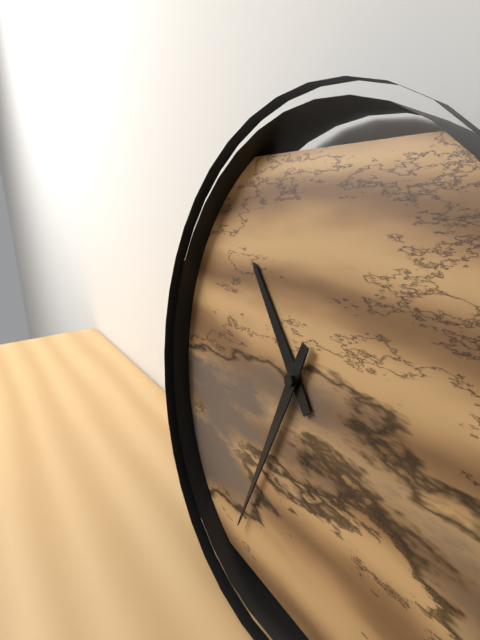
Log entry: 10h33
